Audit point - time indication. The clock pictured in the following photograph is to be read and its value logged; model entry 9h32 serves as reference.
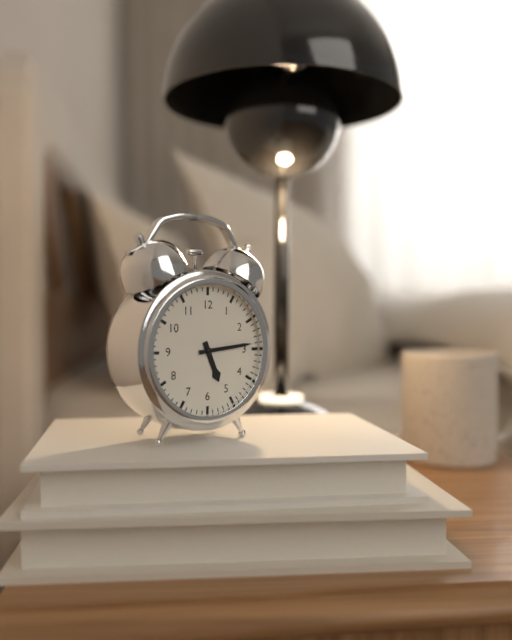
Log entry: 5h14
